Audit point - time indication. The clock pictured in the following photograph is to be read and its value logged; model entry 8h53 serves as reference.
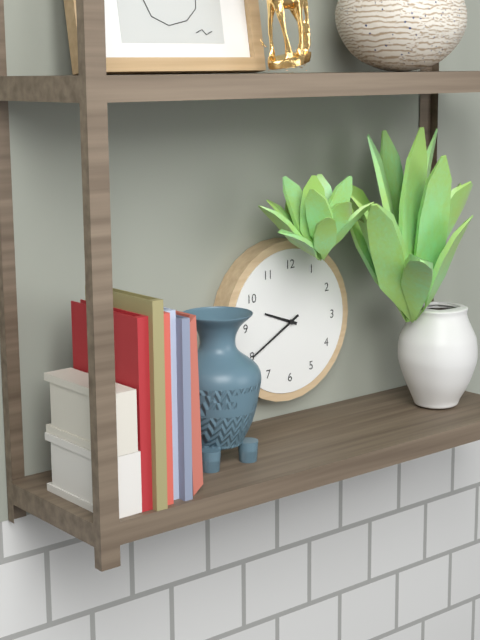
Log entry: 9h40
